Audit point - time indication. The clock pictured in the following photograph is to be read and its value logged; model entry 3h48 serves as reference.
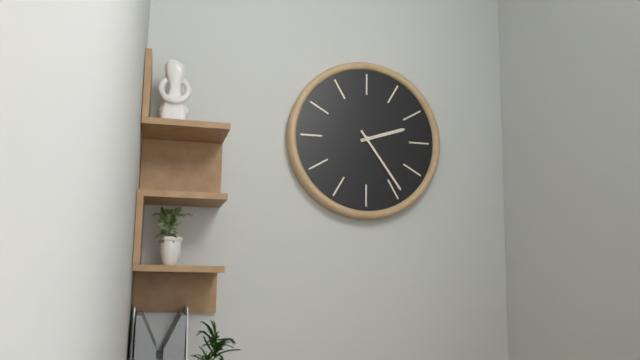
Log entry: 2h24
